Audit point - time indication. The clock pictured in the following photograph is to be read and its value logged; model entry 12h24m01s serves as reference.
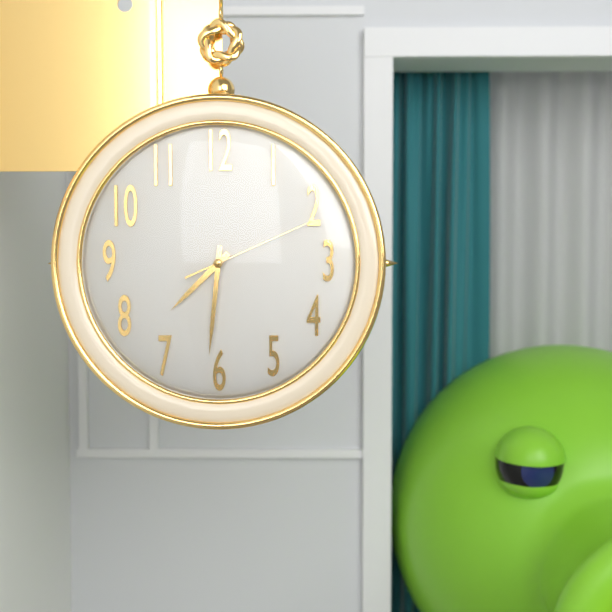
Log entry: 7h31m11s
